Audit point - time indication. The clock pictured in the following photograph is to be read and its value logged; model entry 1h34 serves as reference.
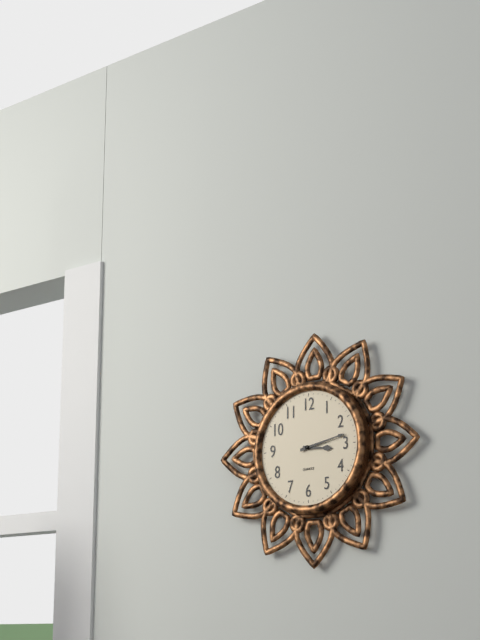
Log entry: 3h13
